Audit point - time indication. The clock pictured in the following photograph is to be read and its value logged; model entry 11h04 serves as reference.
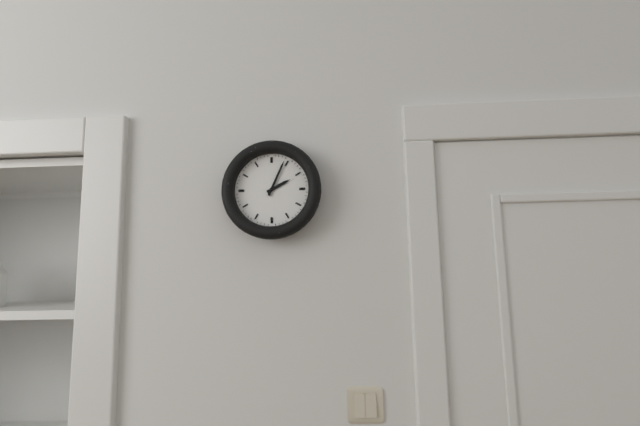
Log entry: 2h04
